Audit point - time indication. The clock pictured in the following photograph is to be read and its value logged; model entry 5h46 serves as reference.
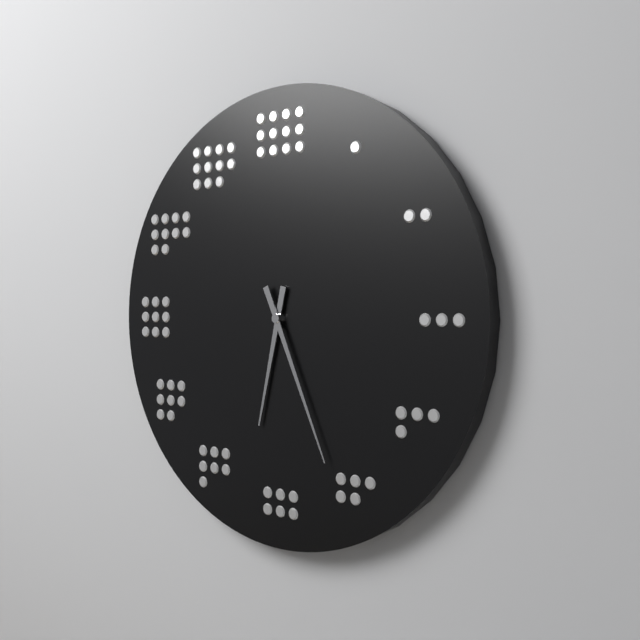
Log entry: 6h26
